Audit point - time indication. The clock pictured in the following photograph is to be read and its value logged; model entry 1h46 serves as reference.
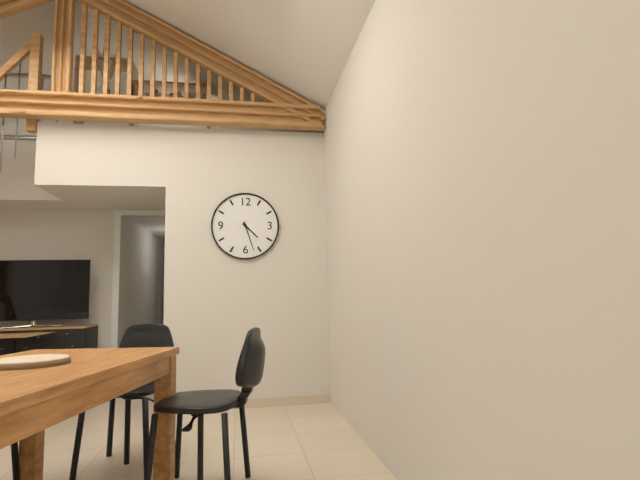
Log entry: 4h27
